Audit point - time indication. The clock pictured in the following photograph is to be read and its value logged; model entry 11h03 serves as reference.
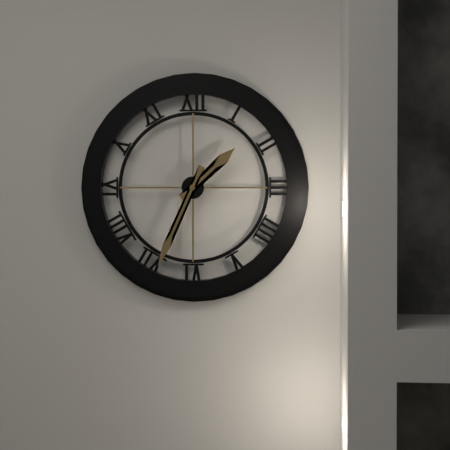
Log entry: 1h34
